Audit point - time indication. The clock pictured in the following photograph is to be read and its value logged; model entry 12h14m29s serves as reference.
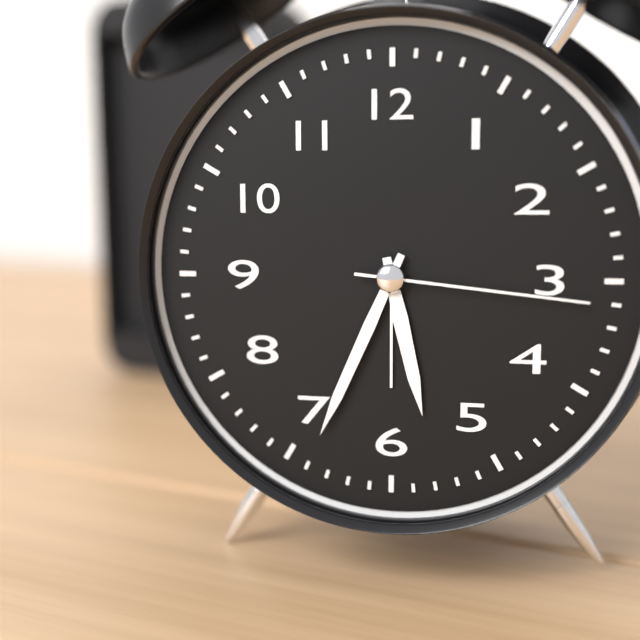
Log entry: 5h34m16s
